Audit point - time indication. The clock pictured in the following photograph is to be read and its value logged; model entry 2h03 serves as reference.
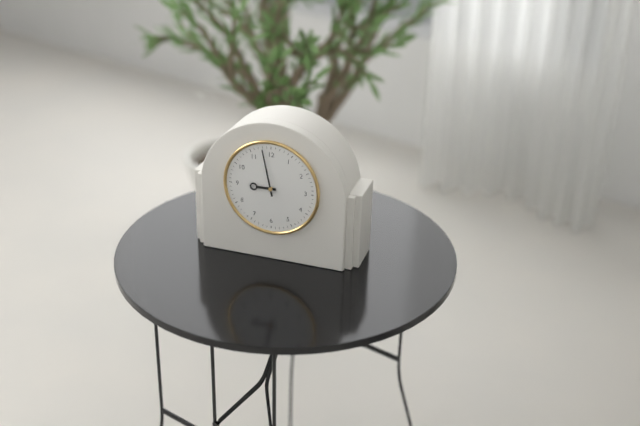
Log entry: 8h58
